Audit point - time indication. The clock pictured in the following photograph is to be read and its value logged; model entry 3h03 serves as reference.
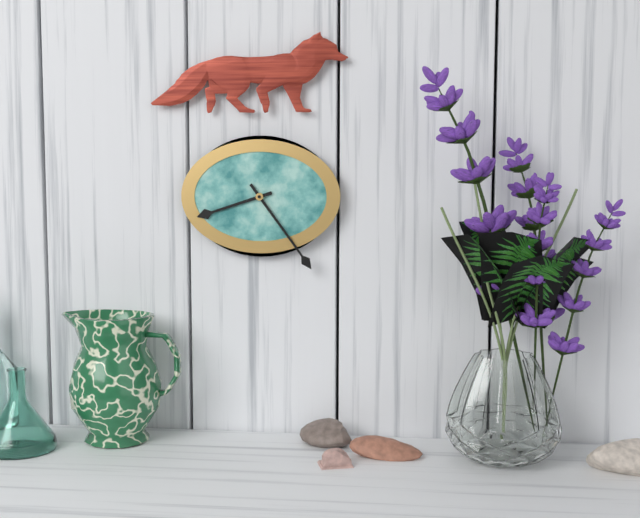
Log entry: 8h24
